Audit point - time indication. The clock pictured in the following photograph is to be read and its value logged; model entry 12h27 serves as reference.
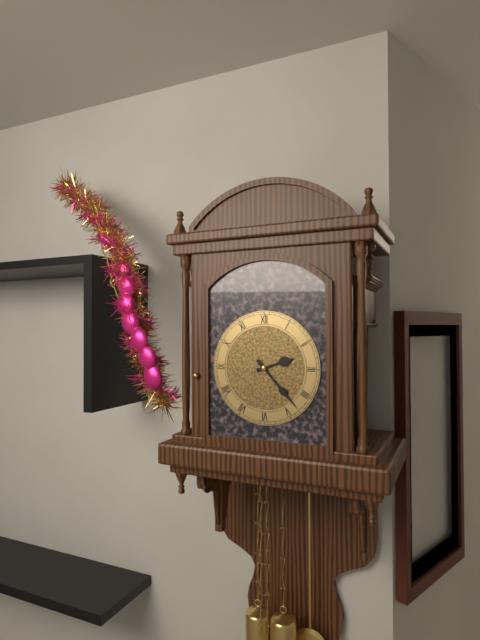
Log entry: 2h23
